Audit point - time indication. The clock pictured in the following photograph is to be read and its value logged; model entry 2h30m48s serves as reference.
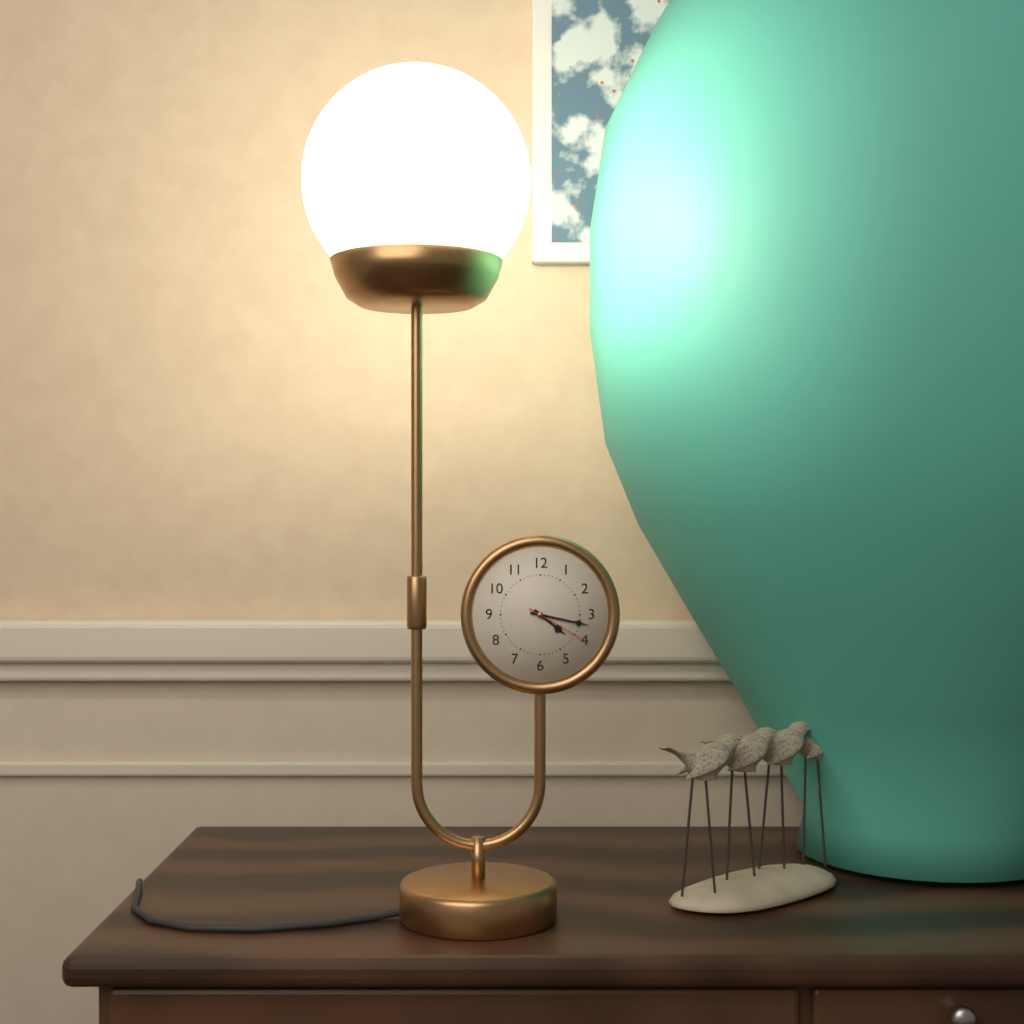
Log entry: 4h17m20s
